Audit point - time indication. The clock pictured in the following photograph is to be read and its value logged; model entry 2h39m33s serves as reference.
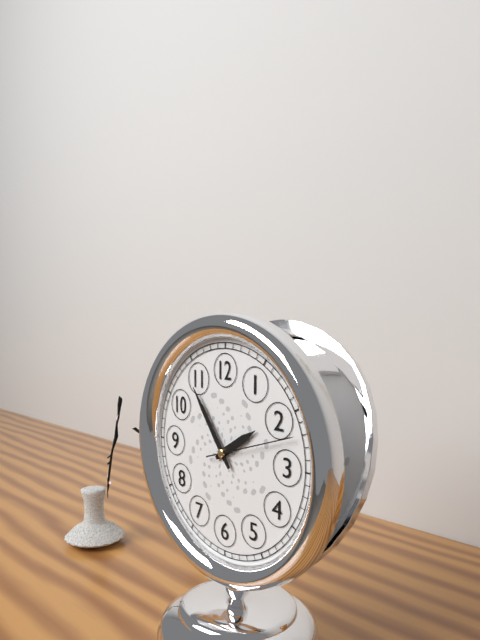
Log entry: 1h54m12s
